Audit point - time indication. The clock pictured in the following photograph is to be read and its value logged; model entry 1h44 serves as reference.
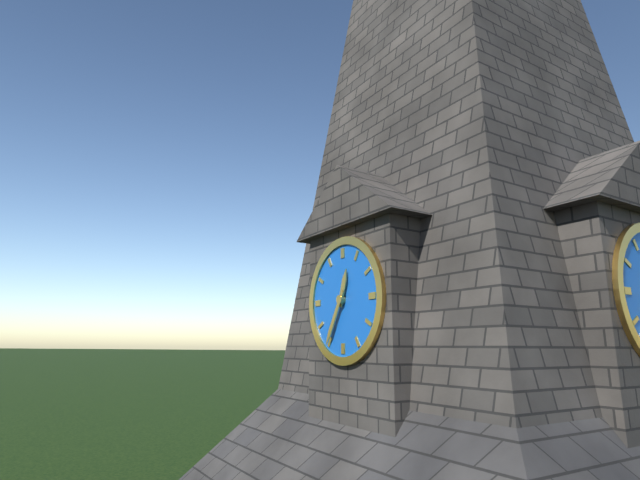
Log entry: 12h35
